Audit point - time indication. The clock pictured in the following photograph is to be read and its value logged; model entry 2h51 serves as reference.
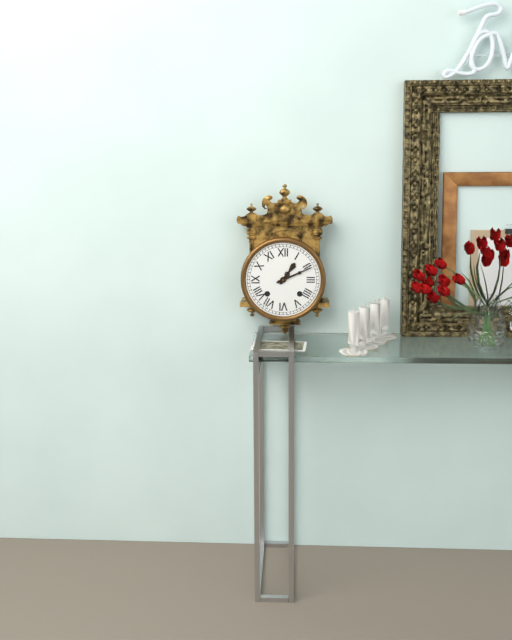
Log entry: 1h11
